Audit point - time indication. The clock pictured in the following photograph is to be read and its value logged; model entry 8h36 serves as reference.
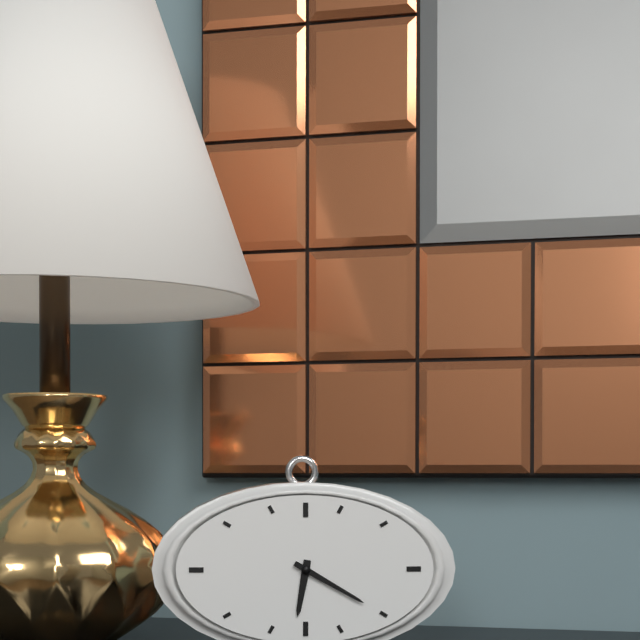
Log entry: 6h20
